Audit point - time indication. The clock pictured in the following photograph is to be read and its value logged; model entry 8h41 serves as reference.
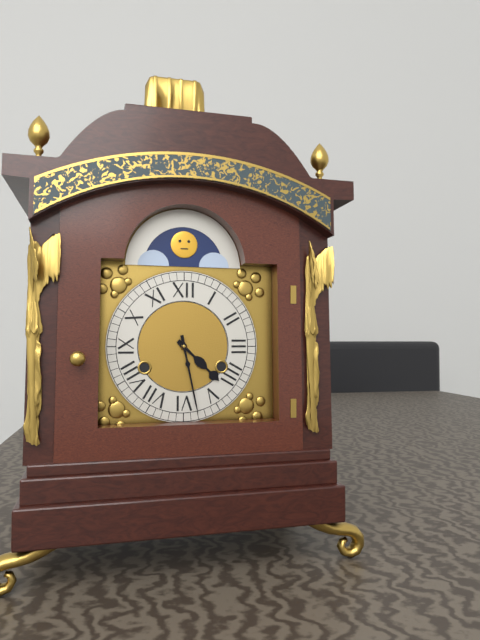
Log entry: 4h28
